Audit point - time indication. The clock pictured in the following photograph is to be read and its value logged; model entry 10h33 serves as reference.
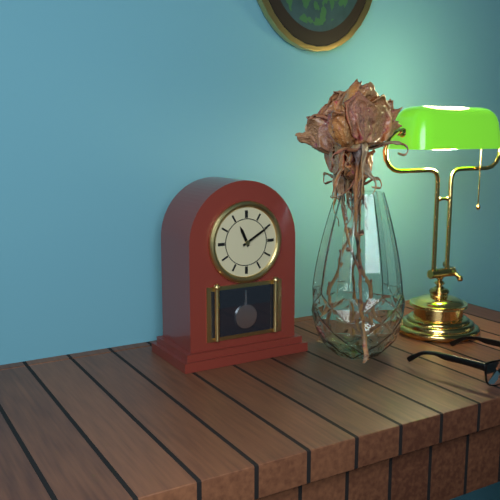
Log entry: 11h10
